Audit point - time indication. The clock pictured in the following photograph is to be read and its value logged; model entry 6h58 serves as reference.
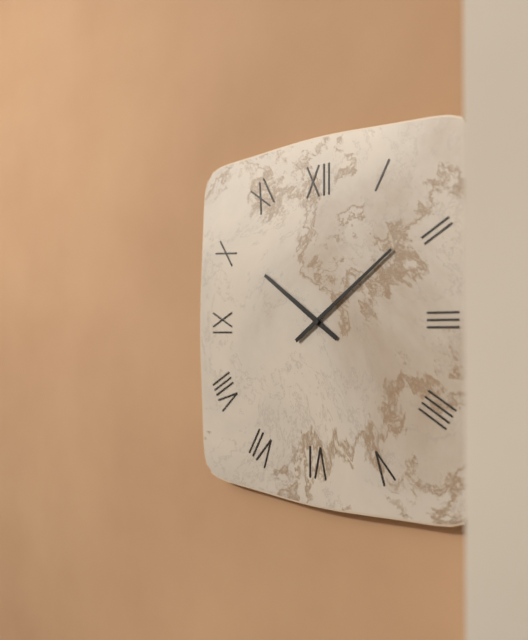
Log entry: 10h09
